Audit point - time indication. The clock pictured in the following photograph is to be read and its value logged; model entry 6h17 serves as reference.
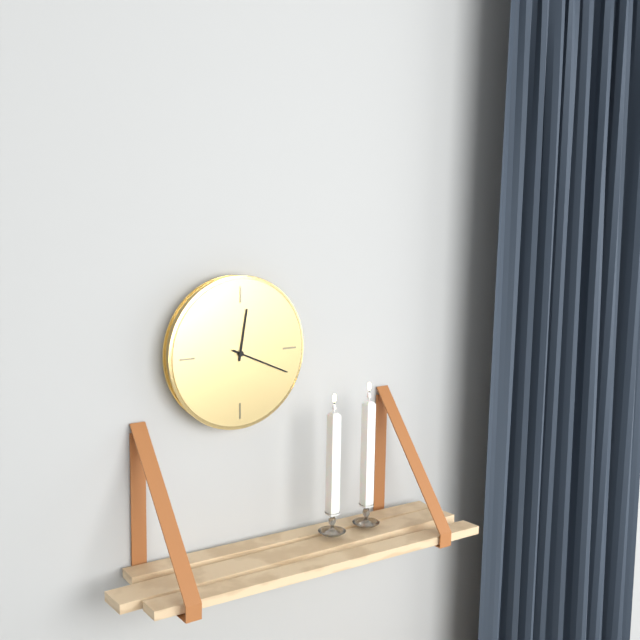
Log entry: 12h19
